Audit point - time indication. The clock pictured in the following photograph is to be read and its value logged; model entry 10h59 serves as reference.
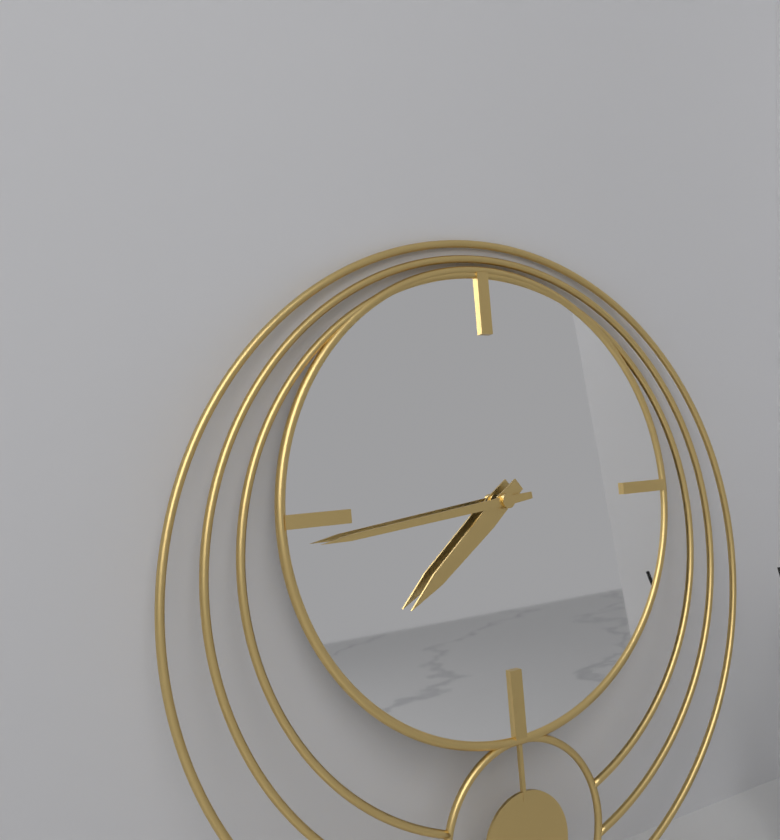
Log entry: 7h44
